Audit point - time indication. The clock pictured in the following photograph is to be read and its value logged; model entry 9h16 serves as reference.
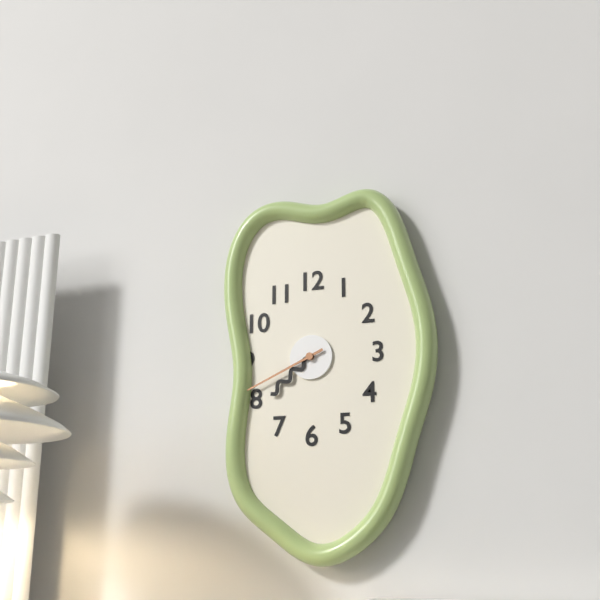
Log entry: 7h41
